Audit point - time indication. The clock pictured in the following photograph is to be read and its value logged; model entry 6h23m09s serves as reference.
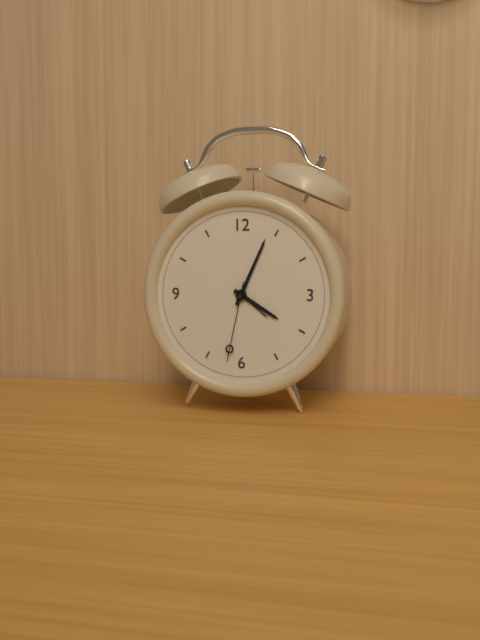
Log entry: 4h04m32s
